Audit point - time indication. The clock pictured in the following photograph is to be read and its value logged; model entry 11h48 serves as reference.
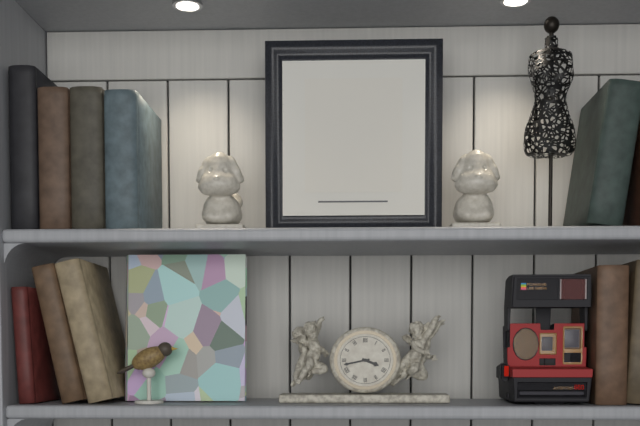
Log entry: 3h43
